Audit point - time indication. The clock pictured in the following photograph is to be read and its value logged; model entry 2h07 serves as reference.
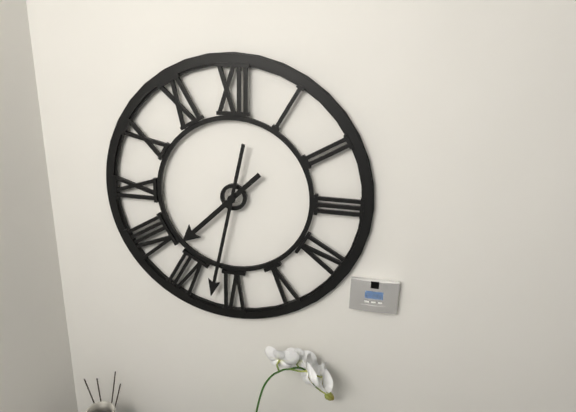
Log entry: 7h32
